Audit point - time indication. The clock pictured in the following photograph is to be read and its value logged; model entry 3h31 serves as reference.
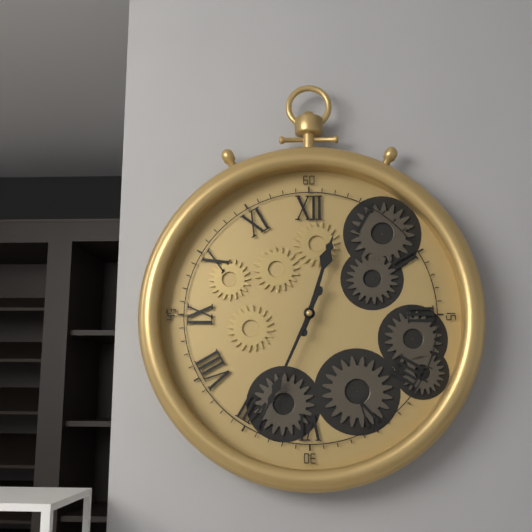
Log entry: 12h34
